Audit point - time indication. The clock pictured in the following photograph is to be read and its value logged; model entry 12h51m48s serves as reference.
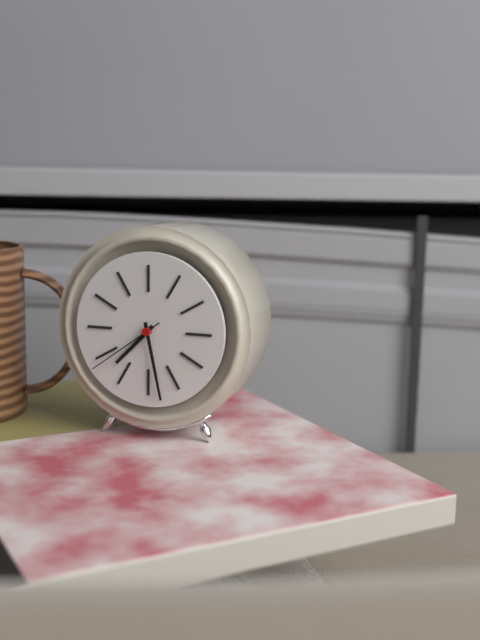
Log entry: 7h28m39s
